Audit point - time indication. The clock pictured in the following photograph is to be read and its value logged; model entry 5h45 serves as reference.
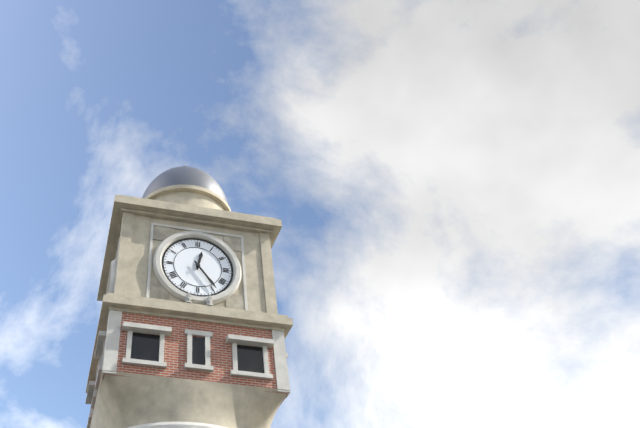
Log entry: 12h24
